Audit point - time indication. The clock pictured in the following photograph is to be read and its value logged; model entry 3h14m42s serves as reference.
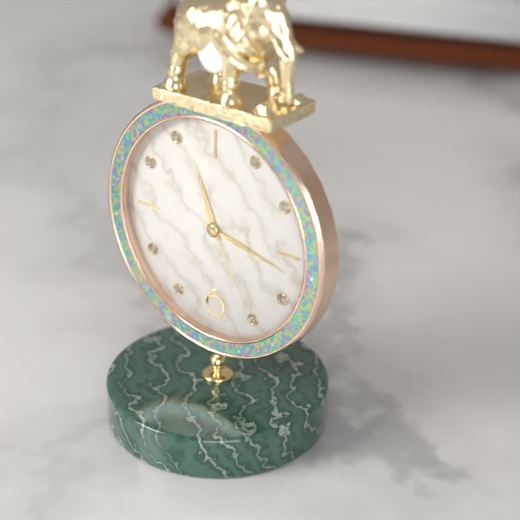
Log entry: 11h17m25s
